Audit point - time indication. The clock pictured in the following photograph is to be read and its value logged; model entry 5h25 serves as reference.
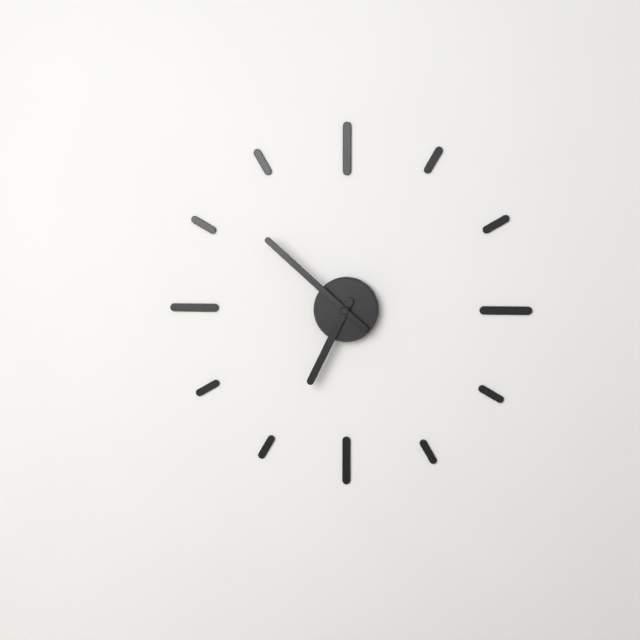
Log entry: 6h52
